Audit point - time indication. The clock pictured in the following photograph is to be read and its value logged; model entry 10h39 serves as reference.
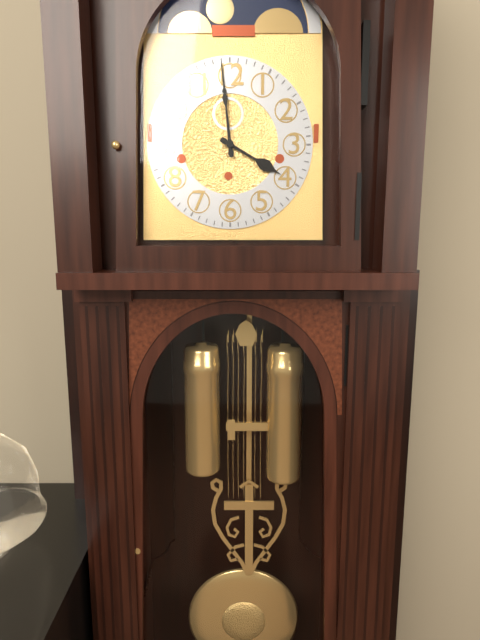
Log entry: 3h59
